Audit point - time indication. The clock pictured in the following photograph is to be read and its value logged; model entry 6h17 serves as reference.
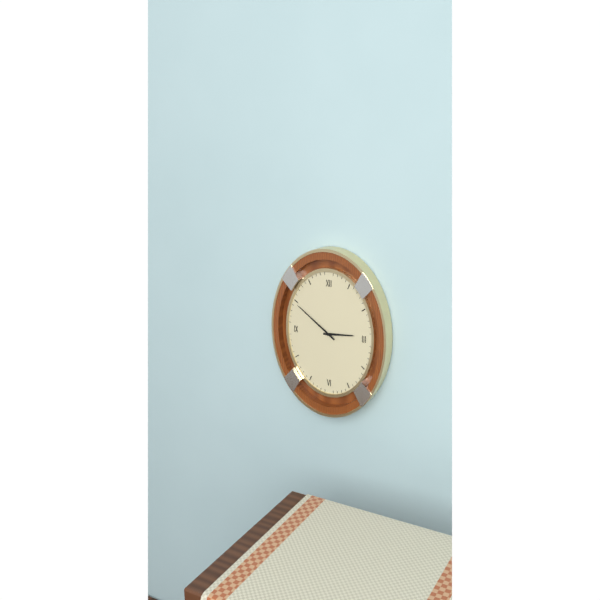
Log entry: 2h51
